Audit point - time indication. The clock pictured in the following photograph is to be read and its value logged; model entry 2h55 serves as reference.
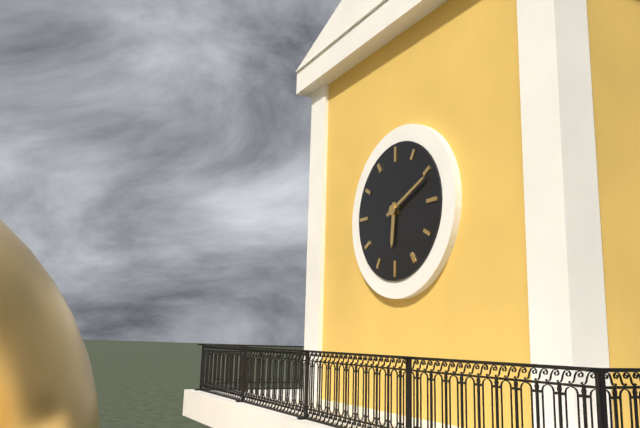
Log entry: 6h11
